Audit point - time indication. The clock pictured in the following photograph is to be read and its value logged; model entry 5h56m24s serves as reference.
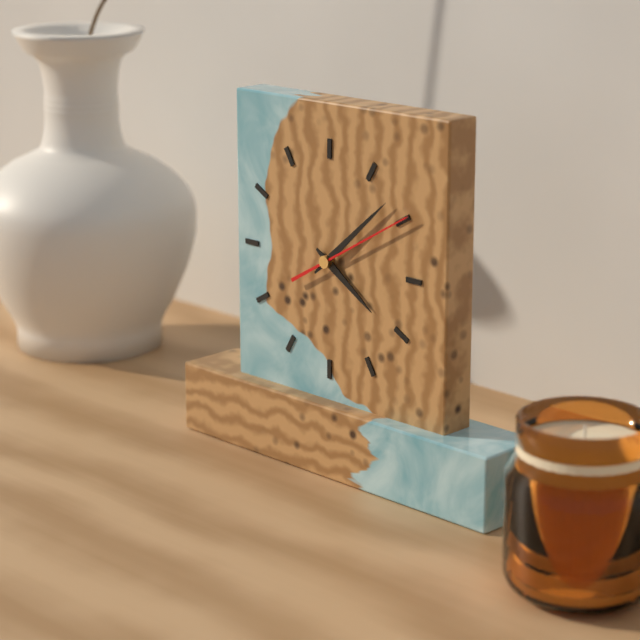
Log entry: 4h08m10s
